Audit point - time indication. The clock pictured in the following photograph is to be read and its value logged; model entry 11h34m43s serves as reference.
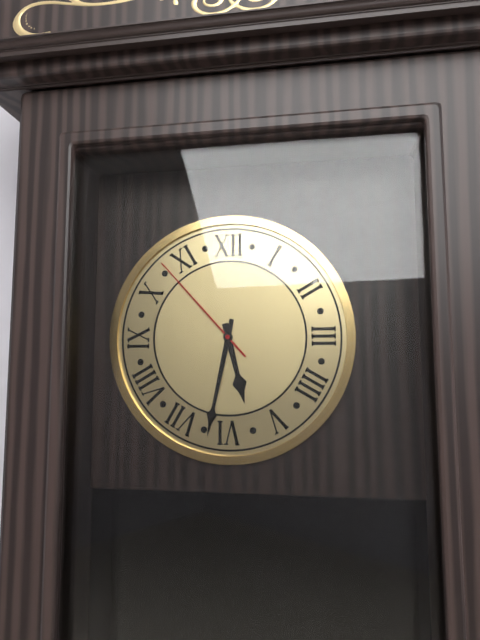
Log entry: 5h32m53s
